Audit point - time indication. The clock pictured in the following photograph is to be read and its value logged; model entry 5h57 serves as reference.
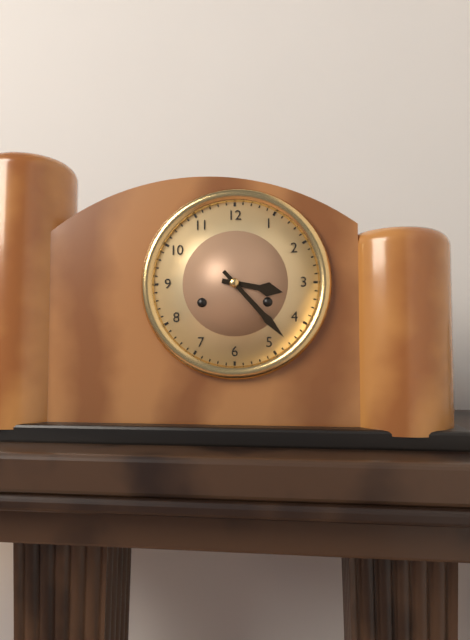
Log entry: 3h23
